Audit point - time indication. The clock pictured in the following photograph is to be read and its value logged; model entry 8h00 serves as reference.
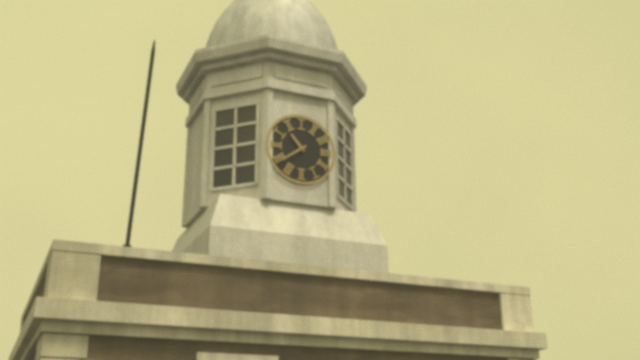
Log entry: 10h39
